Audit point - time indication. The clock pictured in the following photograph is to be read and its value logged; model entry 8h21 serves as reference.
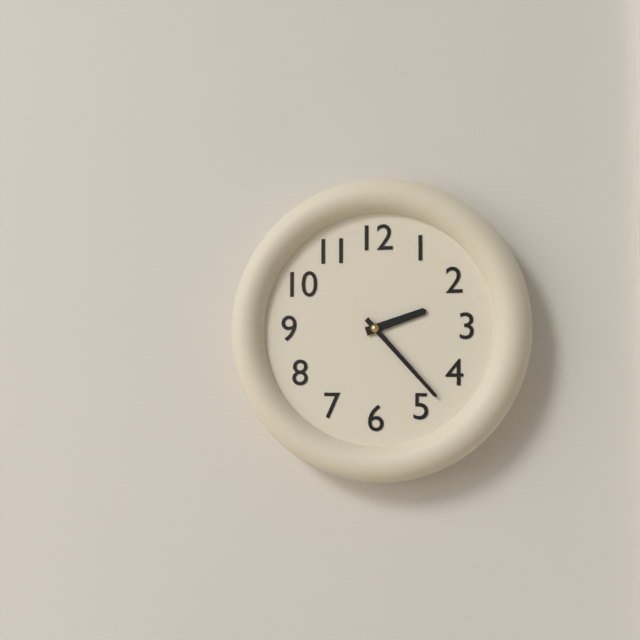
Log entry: 2h23
